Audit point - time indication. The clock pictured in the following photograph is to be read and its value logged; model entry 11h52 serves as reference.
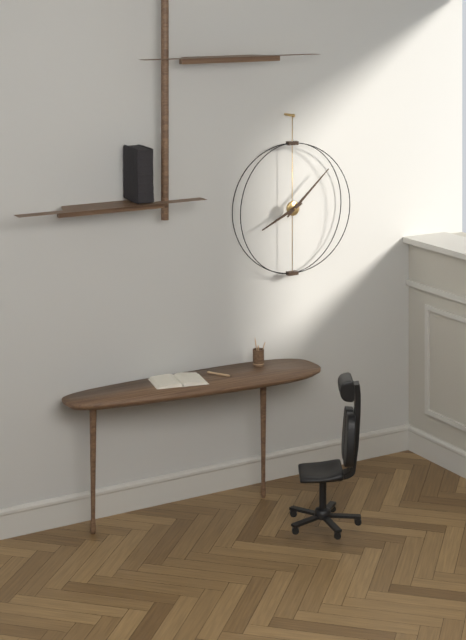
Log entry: 8h08
